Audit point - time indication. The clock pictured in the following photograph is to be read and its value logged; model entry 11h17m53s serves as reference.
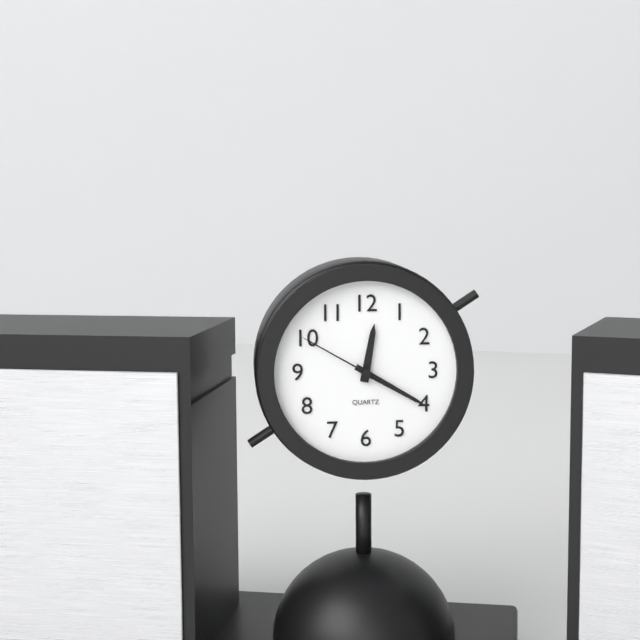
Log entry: 12h20m50s
